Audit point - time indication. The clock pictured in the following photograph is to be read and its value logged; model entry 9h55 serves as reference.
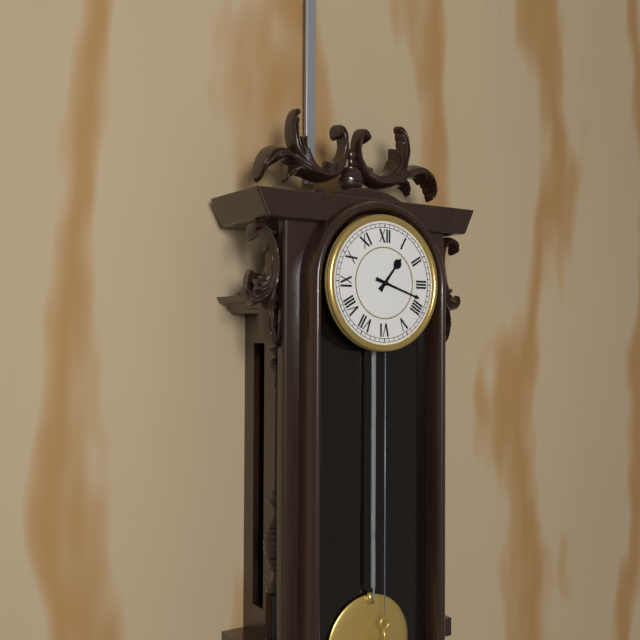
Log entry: 1h18
